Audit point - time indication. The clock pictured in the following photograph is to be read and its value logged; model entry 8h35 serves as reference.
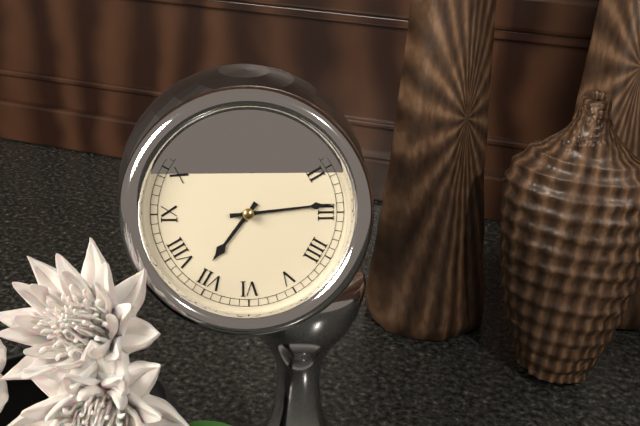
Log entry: 7h14
